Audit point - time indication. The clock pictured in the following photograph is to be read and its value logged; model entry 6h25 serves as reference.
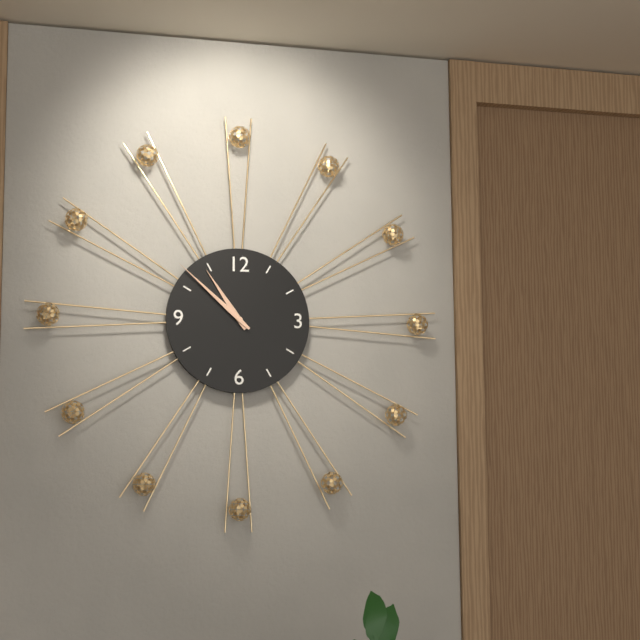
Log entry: 10h52
